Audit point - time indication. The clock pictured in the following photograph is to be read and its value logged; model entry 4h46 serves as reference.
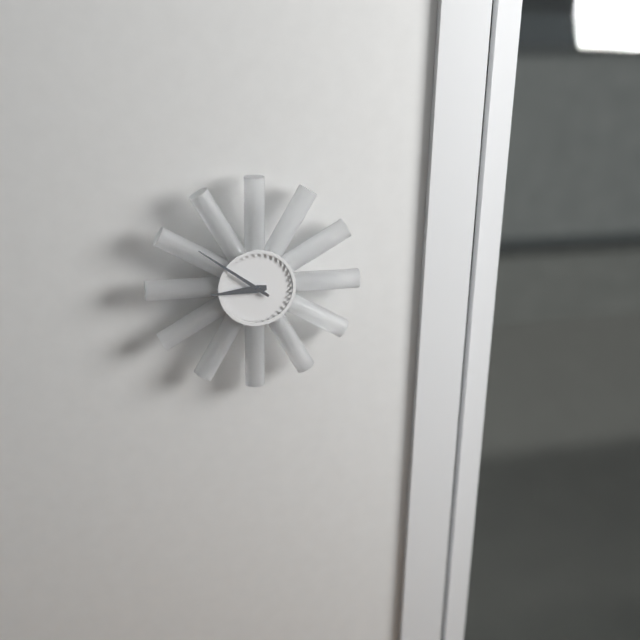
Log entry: 8h51
